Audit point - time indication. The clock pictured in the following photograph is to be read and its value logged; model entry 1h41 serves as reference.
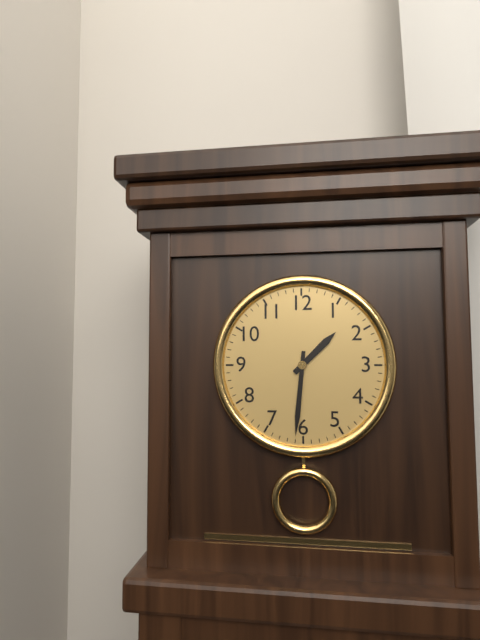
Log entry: 1h31
